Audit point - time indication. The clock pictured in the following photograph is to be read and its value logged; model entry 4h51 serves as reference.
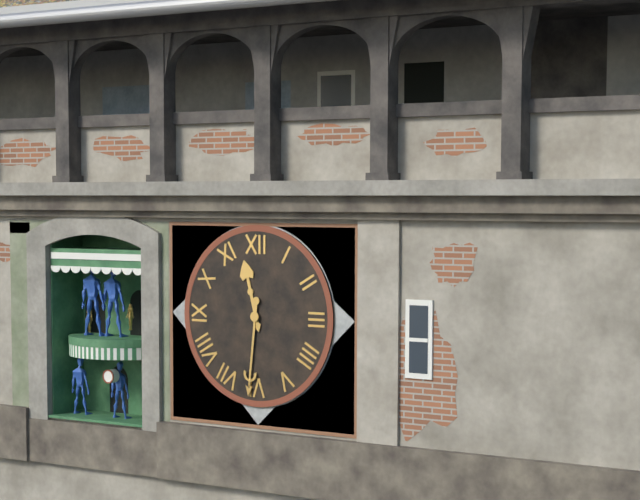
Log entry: 11h31
